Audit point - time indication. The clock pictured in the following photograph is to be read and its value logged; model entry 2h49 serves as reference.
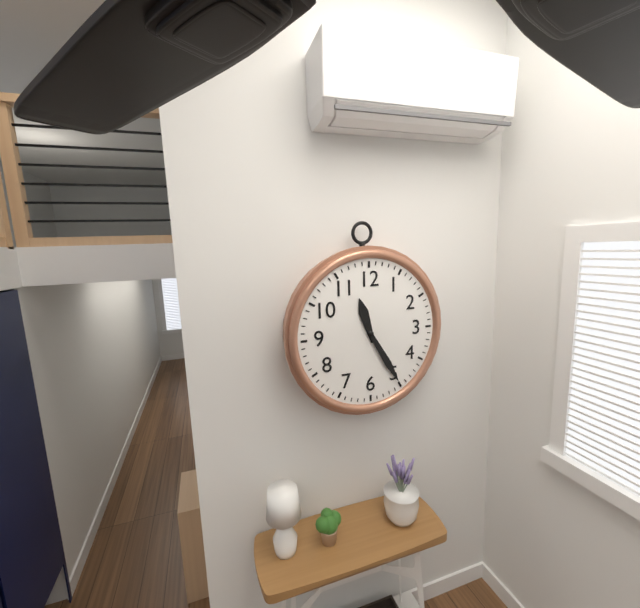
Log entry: 11h25
